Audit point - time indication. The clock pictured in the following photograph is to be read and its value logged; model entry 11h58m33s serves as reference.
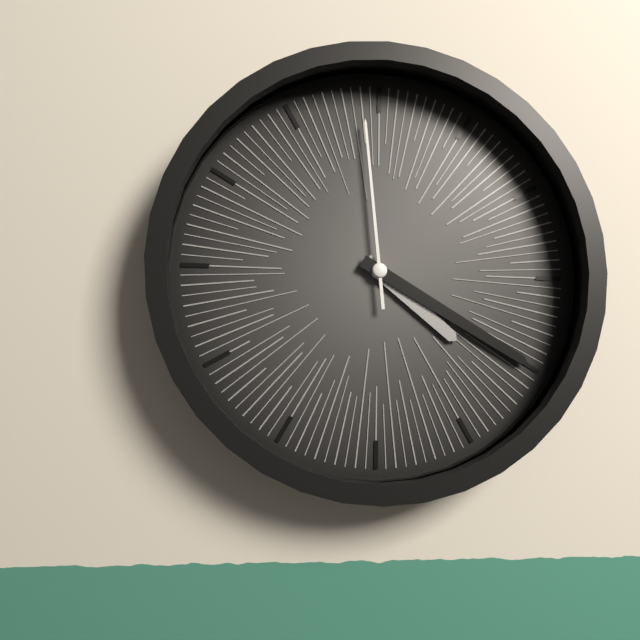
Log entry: 4h20m59s
